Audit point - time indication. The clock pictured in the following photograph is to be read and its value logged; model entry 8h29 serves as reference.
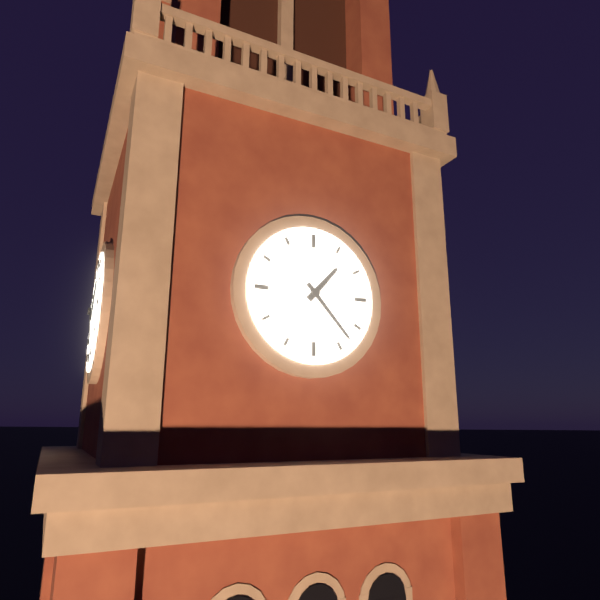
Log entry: 1h23
